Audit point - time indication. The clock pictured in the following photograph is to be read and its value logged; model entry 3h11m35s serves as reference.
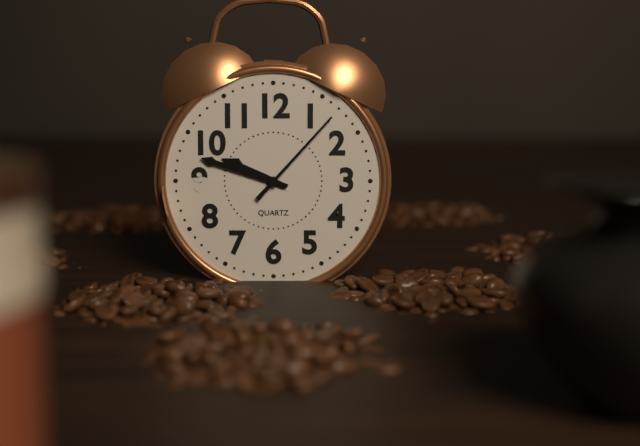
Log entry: 9h48m07s
